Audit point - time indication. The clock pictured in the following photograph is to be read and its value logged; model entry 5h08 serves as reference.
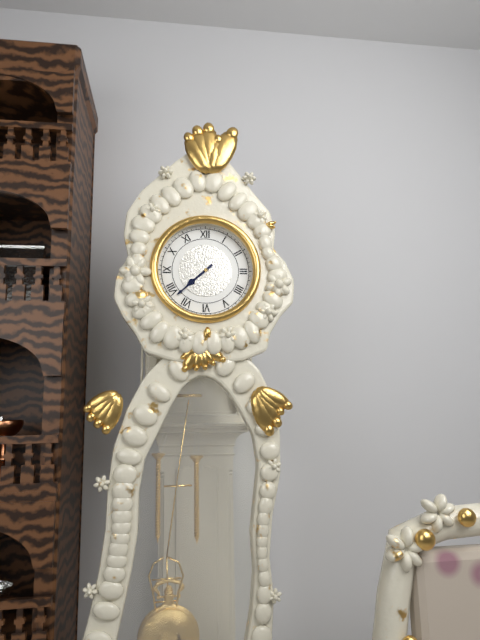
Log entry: 7h38
